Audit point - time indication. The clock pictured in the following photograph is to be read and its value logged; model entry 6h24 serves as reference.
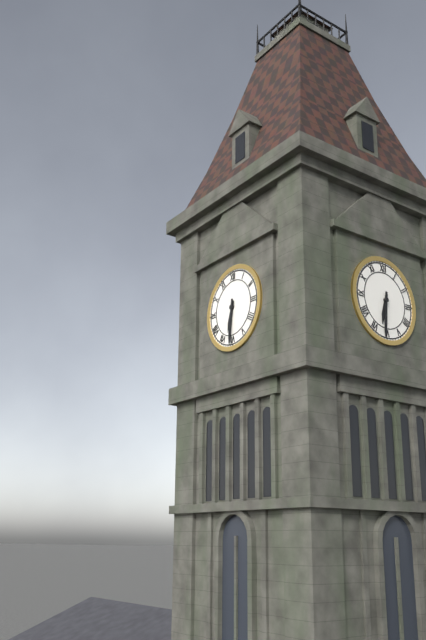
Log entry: 6h31
